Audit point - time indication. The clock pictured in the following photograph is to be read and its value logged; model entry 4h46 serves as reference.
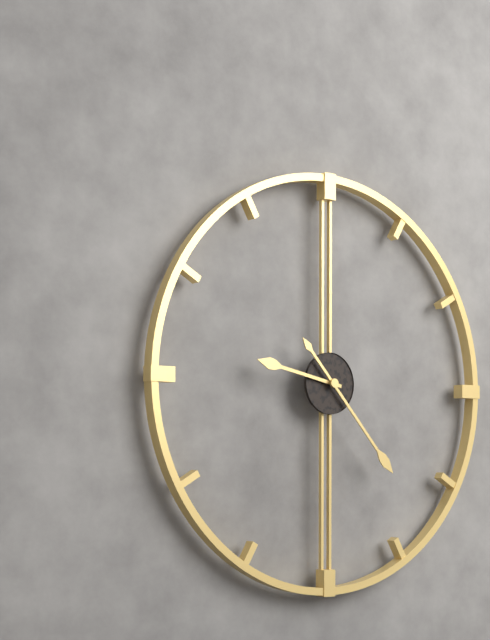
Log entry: 9h23
